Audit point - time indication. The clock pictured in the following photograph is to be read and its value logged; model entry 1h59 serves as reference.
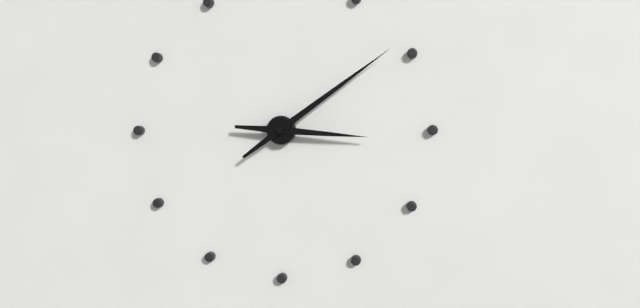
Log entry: 3h09
